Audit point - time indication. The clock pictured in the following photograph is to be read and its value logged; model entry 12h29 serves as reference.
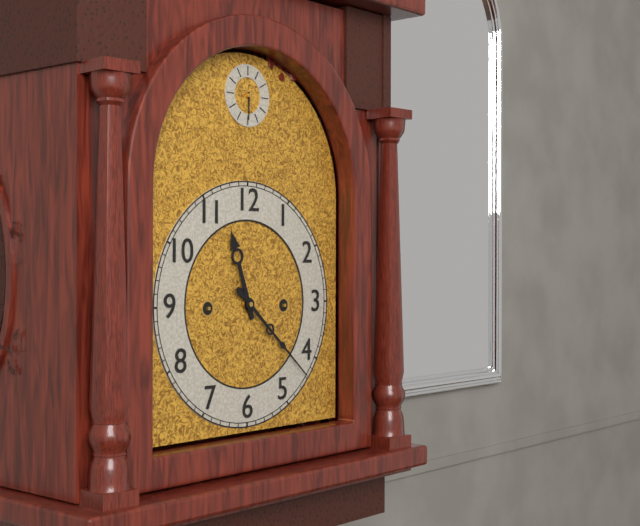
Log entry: 11h22
